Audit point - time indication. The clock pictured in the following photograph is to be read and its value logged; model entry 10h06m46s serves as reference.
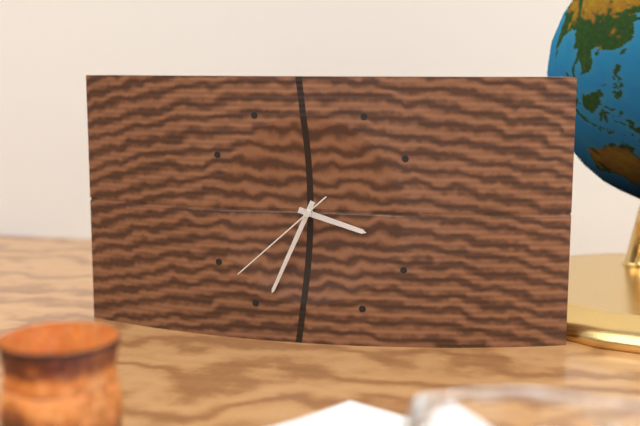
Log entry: 3h34m38s
